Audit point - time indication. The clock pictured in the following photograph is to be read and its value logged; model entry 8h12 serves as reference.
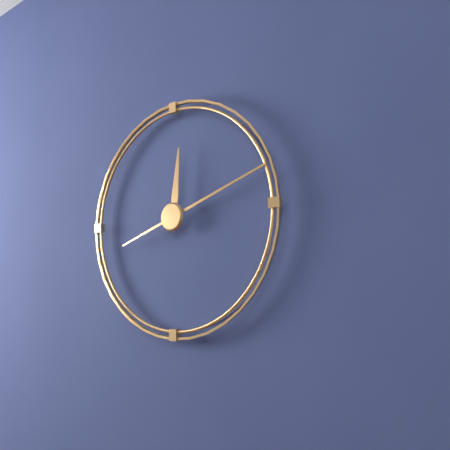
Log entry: 12h12
